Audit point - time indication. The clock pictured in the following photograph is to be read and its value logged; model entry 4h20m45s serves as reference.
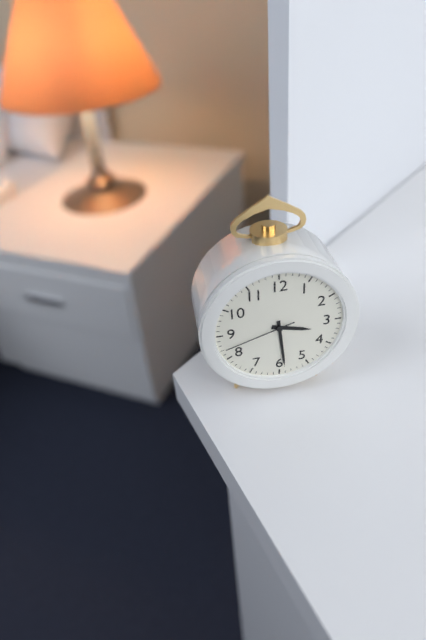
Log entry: 3h29m42s
